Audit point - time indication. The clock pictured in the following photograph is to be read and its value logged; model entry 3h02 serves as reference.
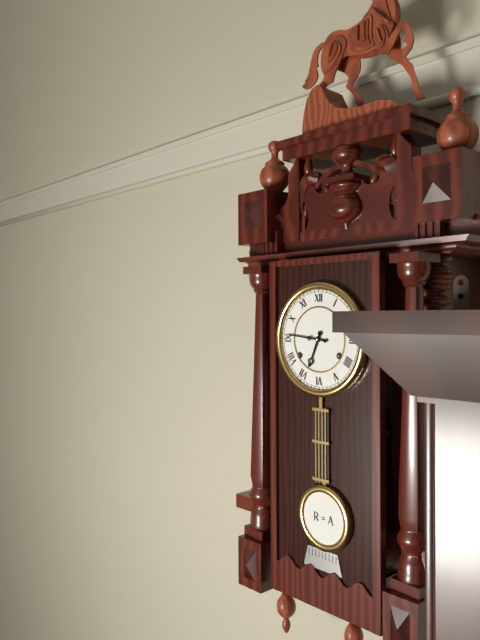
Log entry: 6h46
